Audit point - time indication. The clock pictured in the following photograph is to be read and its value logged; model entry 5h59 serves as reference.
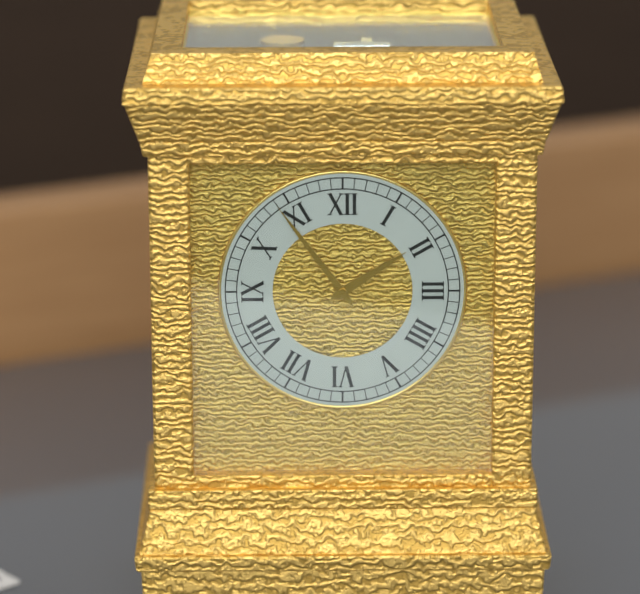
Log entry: 1h54
